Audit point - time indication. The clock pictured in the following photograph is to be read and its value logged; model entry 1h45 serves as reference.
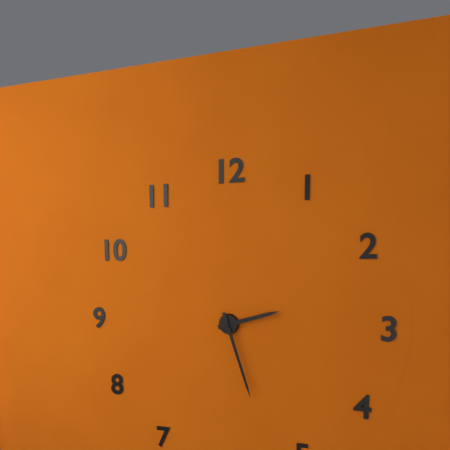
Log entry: 2h27
